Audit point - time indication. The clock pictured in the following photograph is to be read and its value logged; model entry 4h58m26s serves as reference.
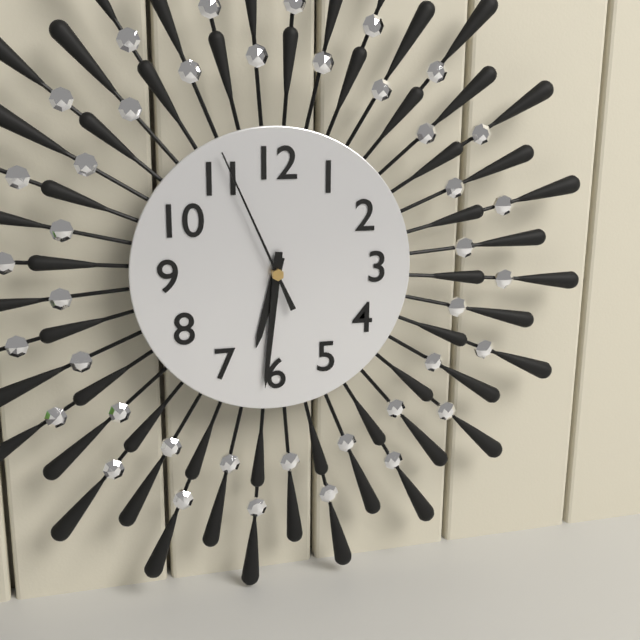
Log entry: 6h31m56s
